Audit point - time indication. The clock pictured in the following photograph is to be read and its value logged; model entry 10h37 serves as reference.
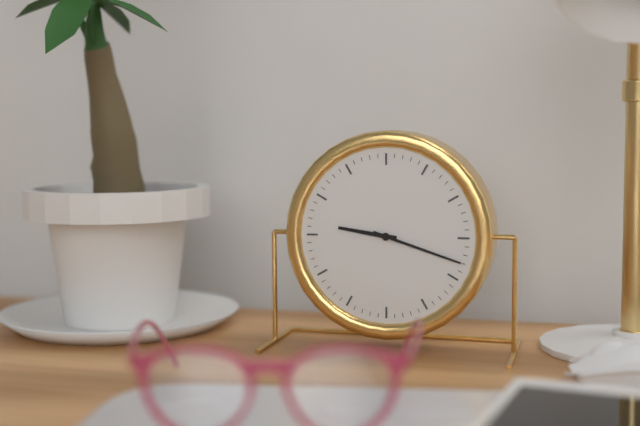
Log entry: 9h18
